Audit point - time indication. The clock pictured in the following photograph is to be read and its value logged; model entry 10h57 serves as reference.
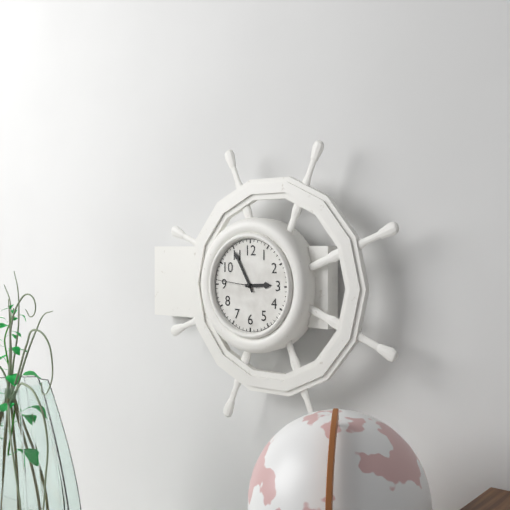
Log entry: 2h55
